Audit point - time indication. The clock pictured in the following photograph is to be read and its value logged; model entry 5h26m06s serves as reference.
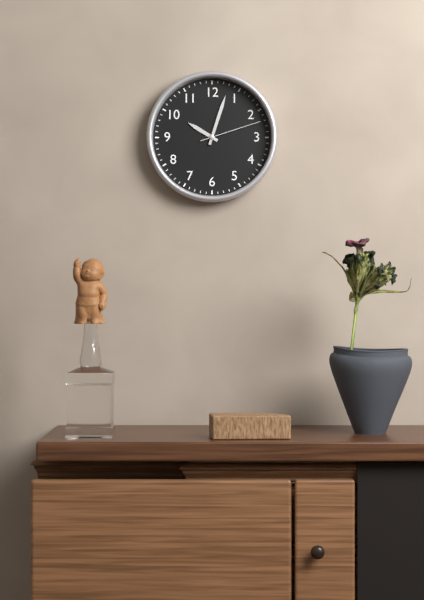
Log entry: 10h03m12s
